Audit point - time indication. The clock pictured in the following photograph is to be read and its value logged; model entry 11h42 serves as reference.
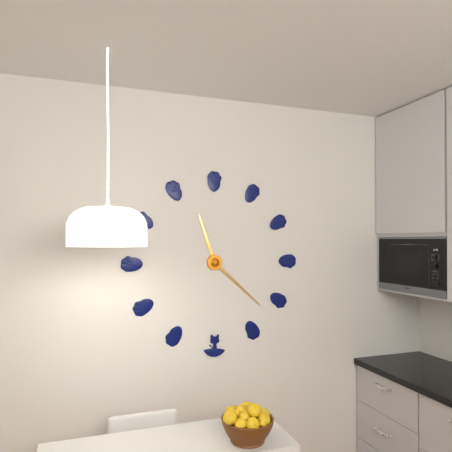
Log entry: 11h22
